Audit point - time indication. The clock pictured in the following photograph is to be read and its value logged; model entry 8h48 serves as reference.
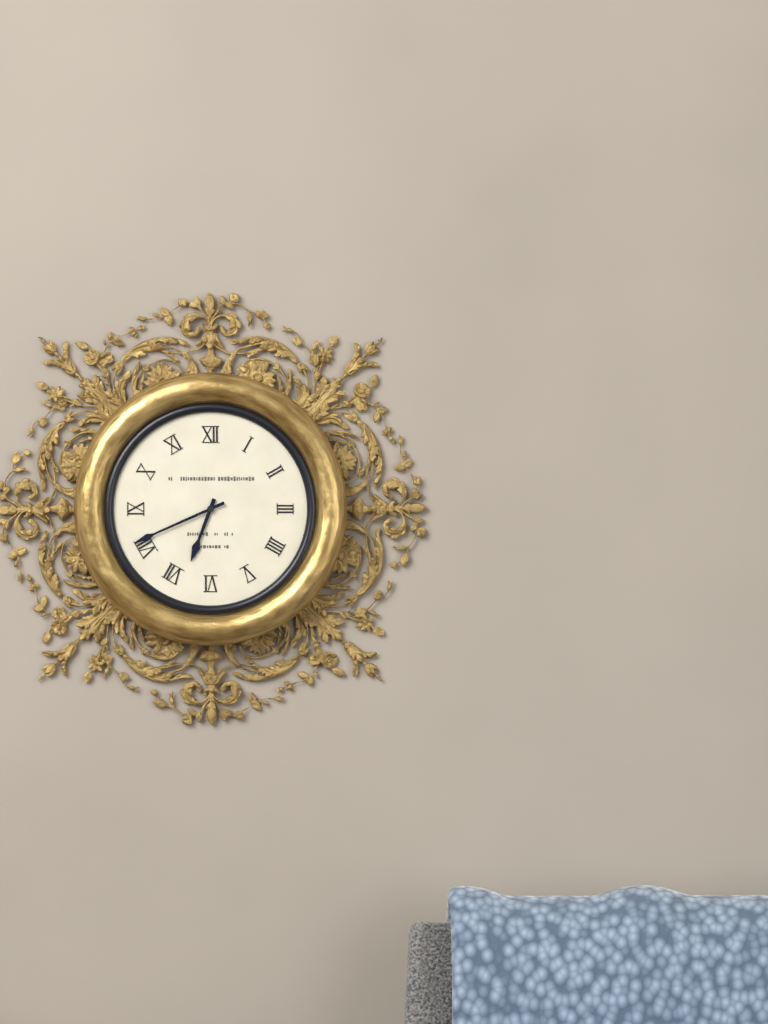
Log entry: 6h41
